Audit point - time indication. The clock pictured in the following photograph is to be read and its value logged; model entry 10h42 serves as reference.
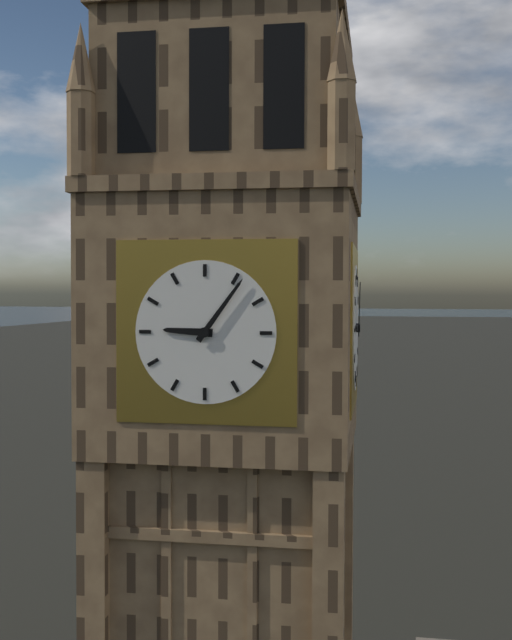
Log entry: 9h06
